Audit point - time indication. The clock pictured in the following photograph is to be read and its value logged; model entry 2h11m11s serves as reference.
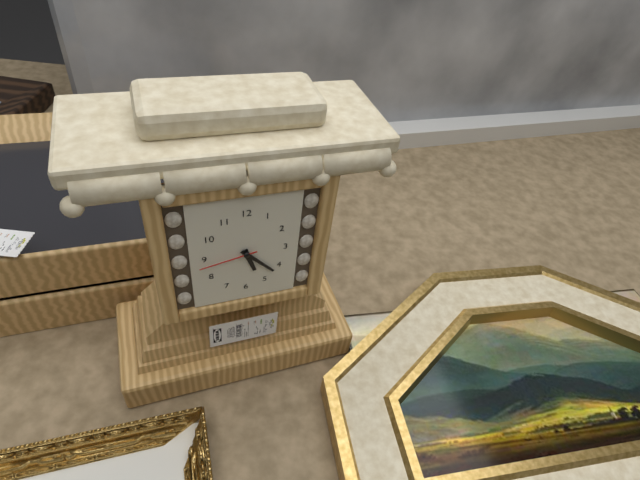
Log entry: 5h23m43s
